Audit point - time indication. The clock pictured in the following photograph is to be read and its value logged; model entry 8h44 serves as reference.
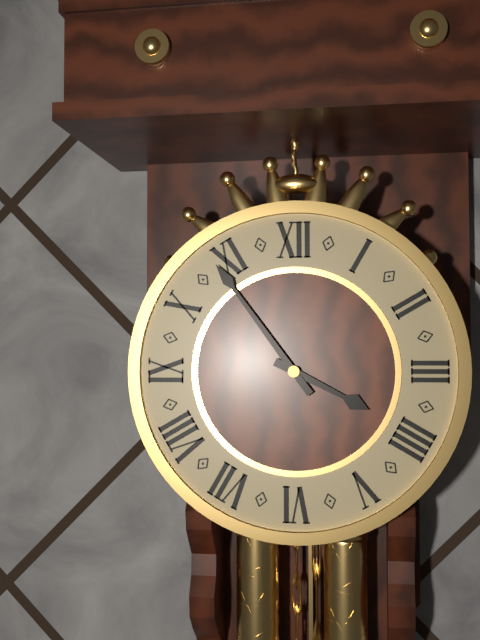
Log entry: 3h54
